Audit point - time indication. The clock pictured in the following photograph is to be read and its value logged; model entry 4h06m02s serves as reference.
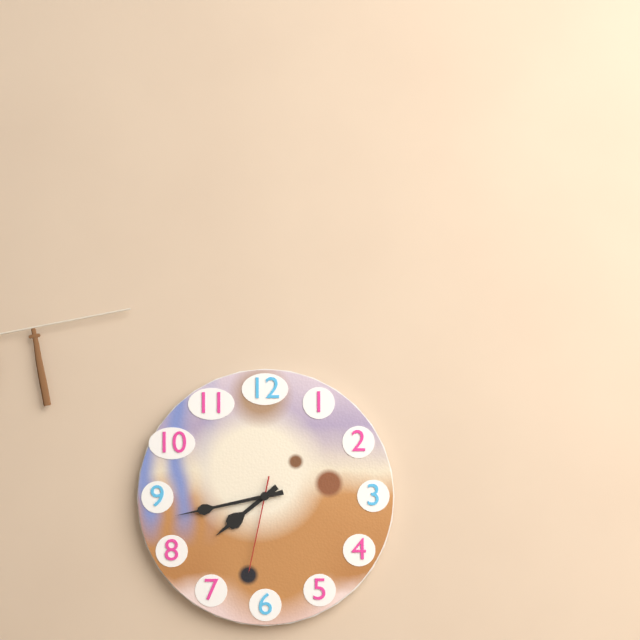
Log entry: 7h43m32s
